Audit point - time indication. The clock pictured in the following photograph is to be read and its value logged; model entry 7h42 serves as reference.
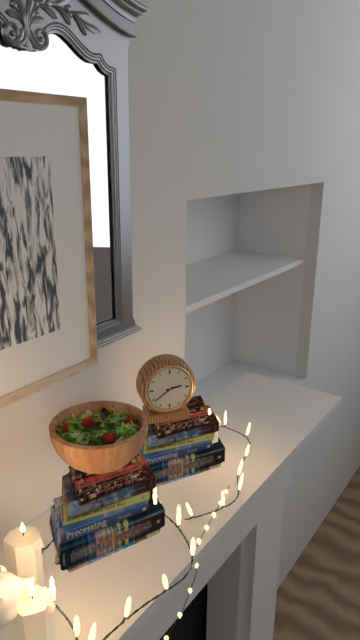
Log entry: 2h39
